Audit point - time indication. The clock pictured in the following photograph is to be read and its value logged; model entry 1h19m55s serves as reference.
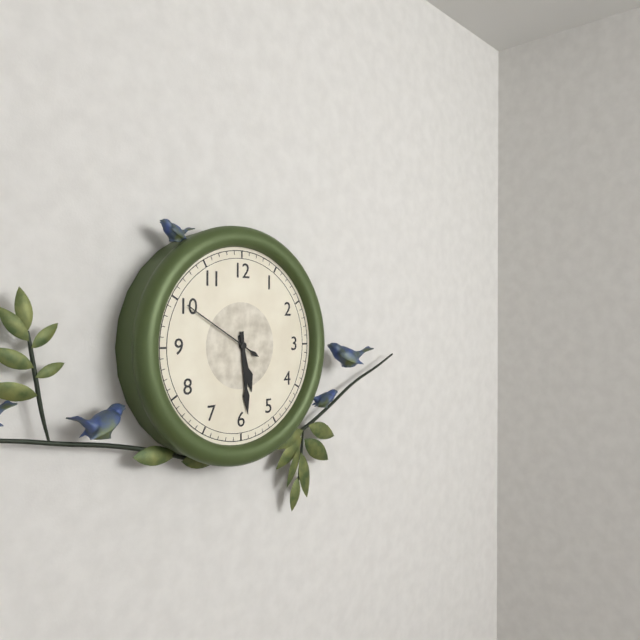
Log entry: 5h29m50s
